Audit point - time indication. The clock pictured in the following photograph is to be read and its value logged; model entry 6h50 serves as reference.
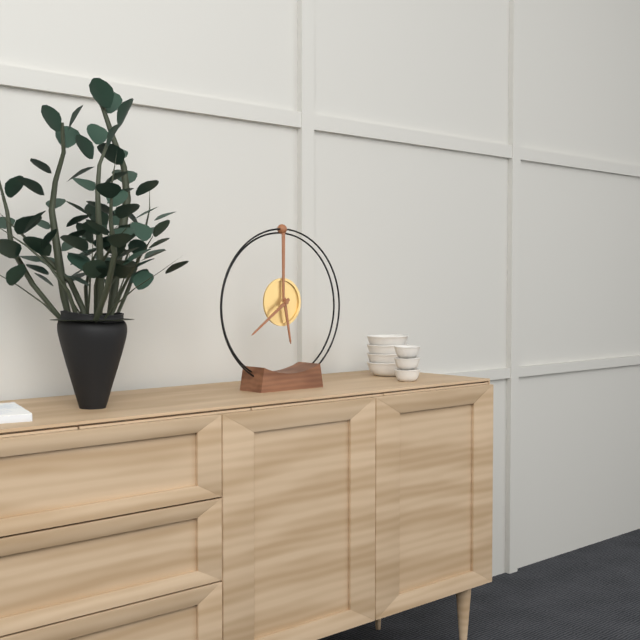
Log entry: 5h39
